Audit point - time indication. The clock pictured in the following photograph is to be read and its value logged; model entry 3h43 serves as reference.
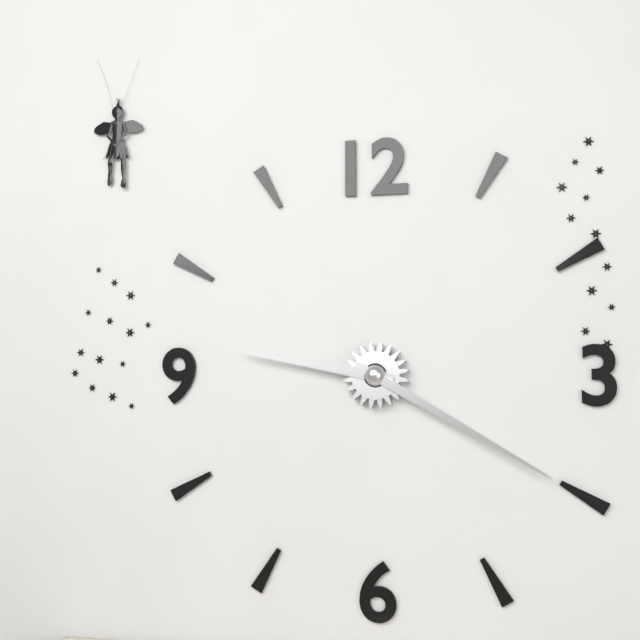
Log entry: 9h20
